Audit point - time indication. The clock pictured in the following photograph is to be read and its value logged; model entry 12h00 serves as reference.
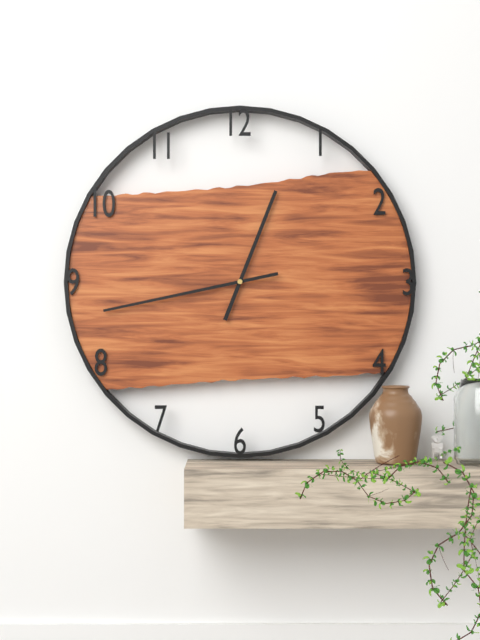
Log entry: 12h43
